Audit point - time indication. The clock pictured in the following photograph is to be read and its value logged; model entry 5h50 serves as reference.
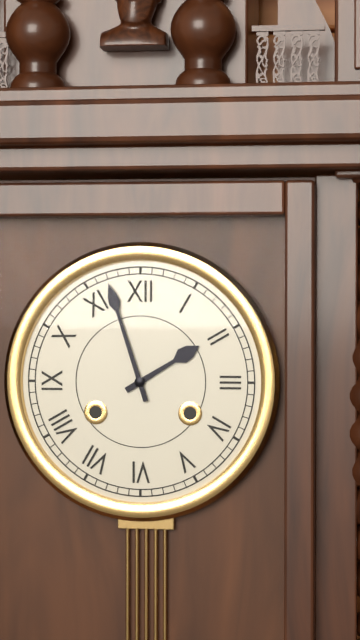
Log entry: 1h57
